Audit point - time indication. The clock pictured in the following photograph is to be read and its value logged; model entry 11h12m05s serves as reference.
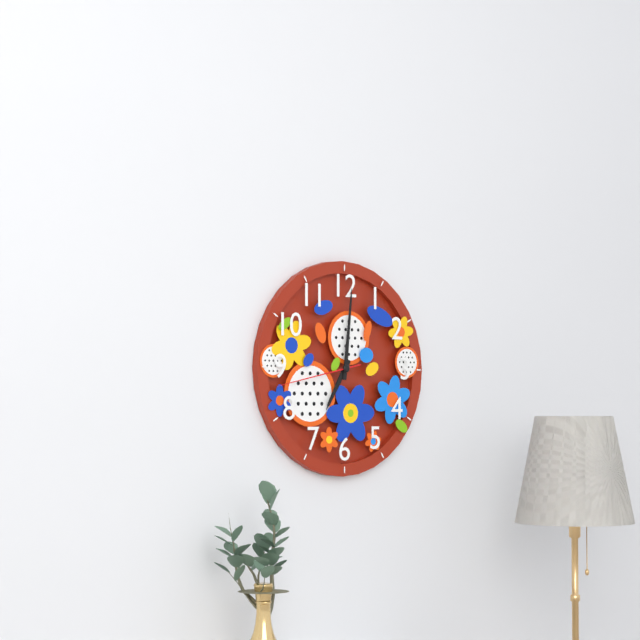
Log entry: 7h01m43s
